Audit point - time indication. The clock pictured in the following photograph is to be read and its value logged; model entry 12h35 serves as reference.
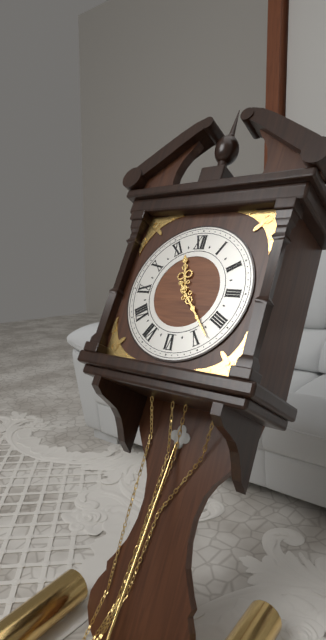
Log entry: 11h23
